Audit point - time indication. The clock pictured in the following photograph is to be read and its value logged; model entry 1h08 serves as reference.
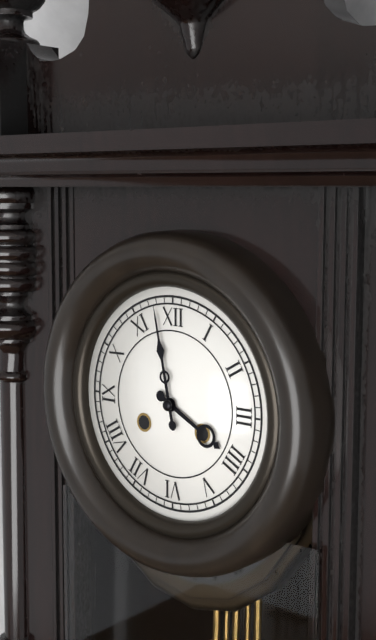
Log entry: 3h58
